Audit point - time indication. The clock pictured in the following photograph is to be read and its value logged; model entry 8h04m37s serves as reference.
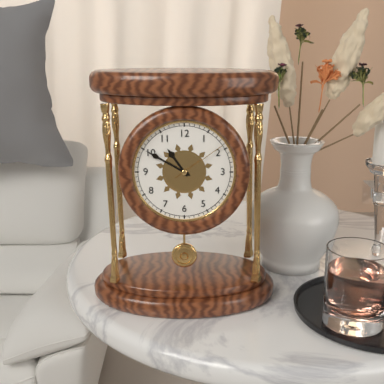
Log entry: 10h50m09s
